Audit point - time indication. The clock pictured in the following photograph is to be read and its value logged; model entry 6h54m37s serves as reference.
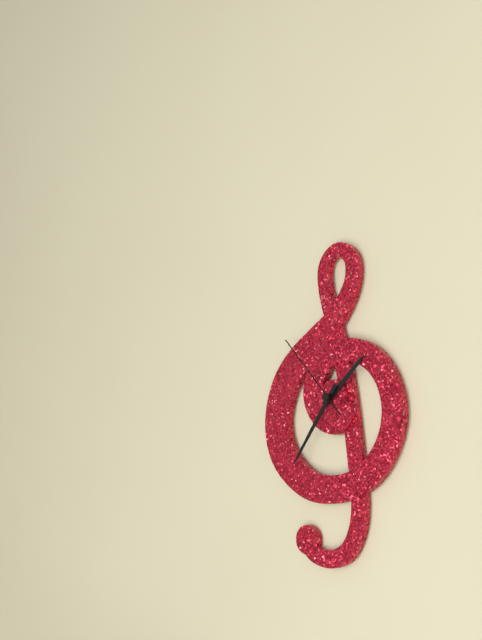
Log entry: 1h36m53s
